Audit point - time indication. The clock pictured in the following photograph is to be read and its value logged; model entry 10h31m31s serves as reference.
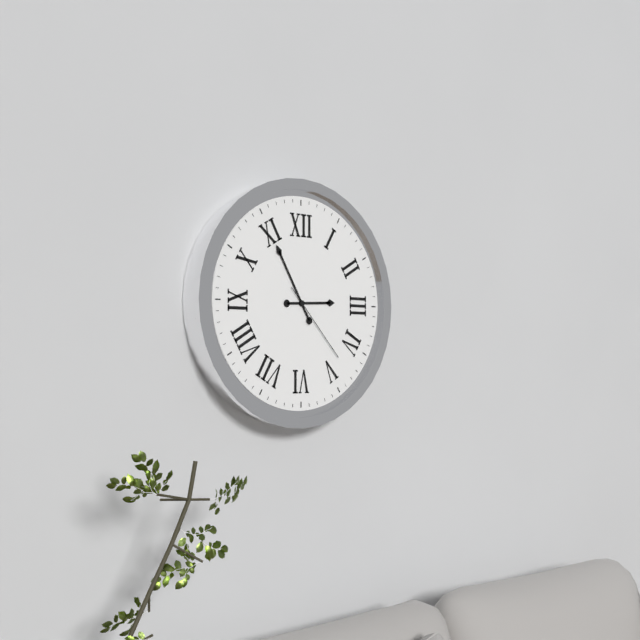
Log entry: 2h55m23s
